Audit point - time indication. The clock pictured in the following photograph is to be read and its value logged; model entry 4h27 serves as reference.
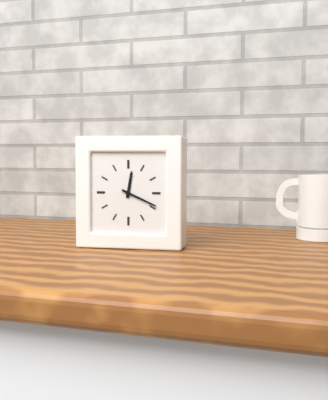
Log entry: 12h19
